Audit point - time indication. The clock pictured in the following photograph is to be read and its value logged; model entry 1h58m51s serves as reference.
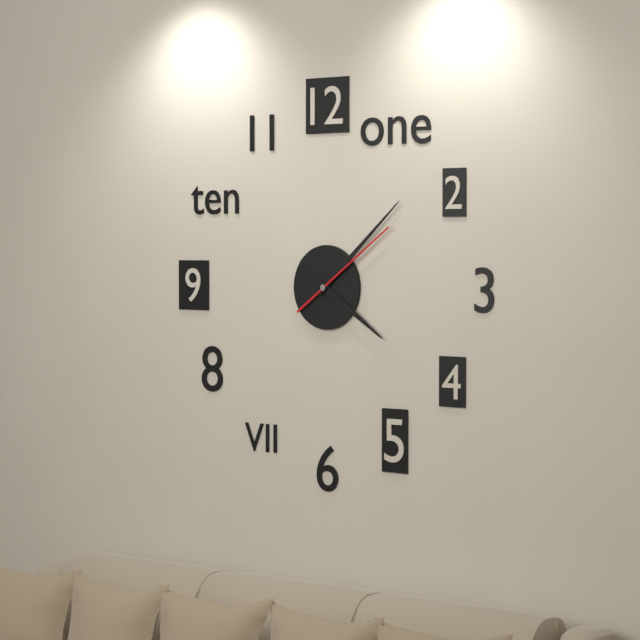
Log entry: 4h08m09s
